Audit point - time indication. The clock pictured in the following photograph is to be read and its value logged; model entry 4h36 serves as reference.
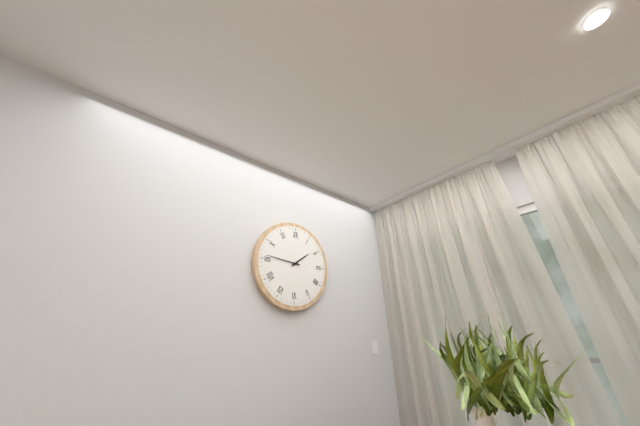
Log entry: 1h46
